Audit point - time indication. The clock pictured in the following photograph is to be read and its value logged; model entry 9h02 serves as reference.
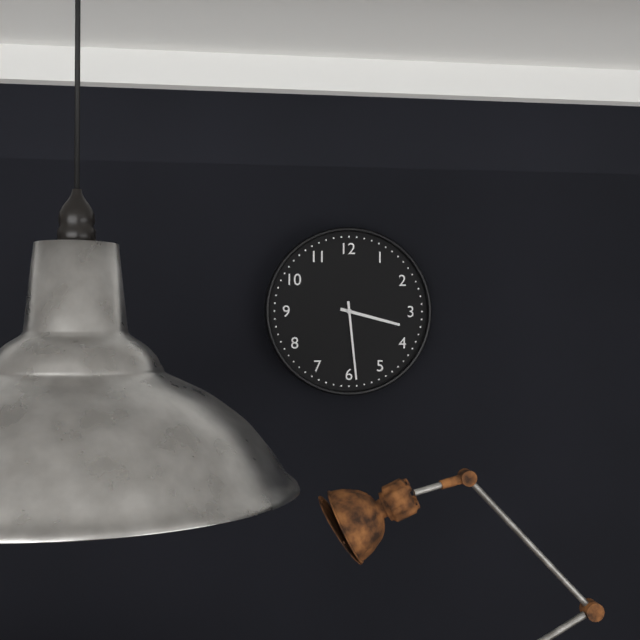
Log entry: 3h29
